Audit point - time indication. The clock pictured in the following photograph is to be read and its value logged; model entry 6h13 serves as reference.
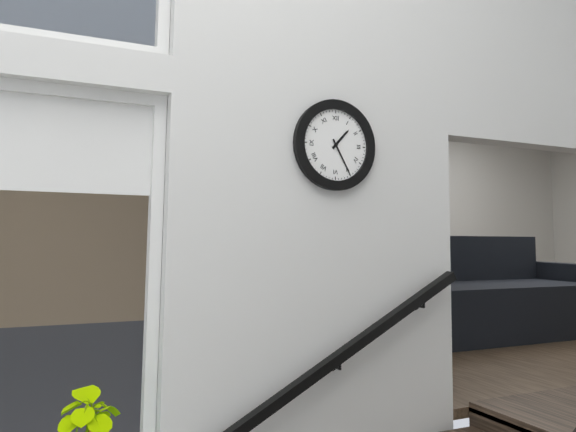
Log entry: 1h25
